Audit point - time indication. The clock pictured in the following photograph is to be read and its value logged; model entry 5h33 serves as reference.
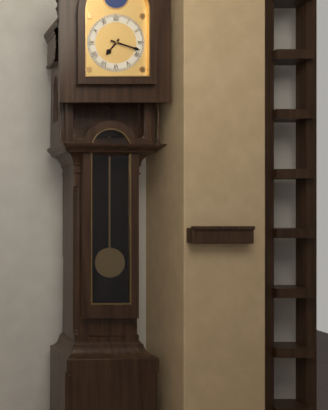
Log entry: 7h18
